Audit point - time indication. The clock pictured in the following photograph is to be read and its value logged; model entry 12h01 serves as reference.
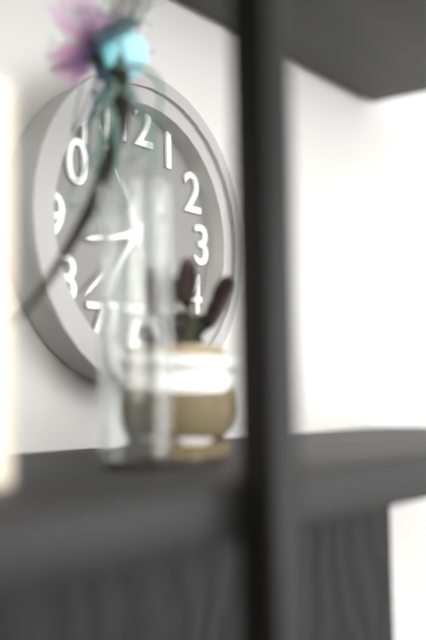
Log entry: 8h38
